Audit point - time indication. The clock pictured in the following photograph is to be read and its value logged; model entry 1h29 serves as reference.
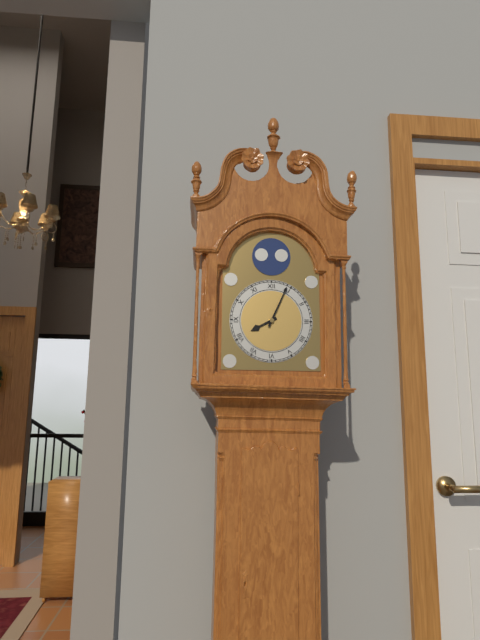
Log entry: 8h04
